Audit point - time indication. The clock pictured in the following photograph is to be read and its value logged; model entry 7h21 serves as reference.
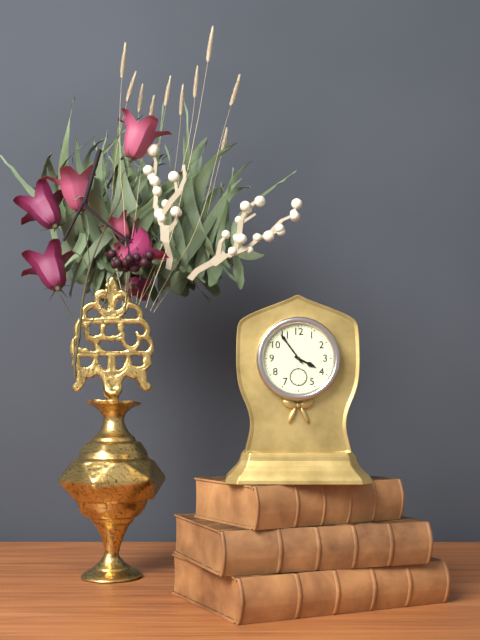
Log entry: 3h54
